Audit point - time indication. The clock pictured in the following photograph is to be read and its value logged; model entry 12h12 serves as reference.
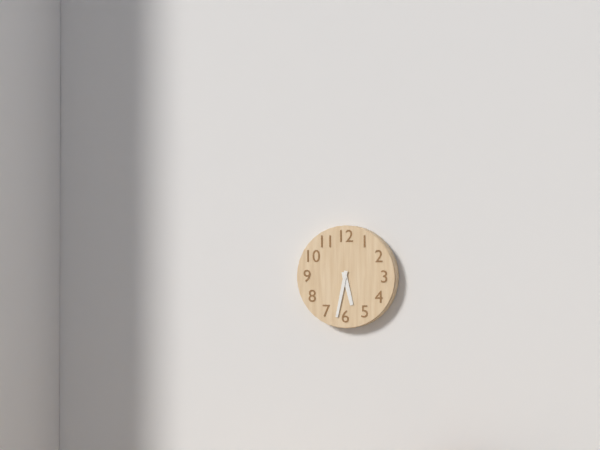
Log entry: 5h32
